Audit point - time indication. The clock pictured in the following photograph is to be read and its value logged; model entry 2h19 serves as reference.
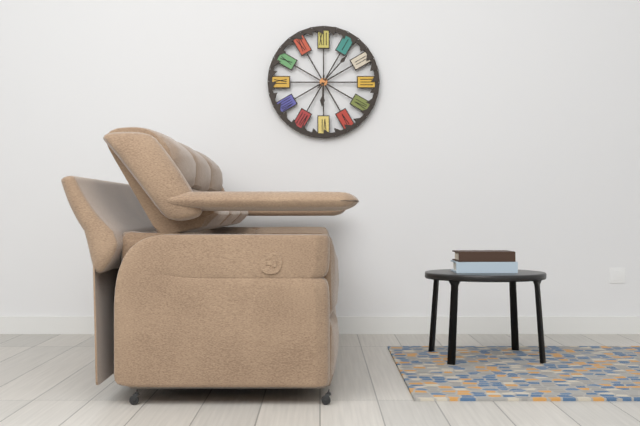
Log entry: 6h07
